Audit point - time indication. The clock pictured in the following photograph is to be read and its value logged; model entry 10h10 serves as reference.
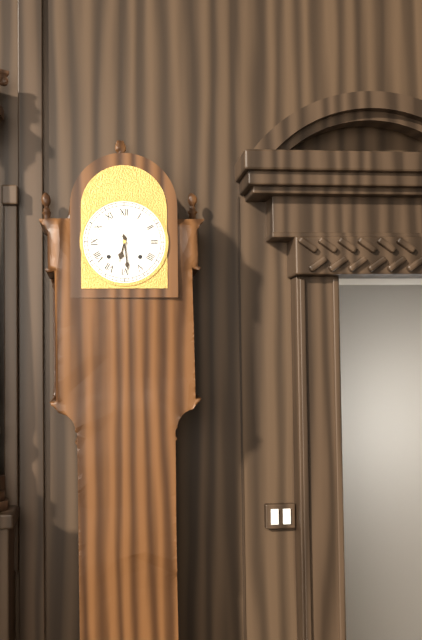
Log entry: 6h29
